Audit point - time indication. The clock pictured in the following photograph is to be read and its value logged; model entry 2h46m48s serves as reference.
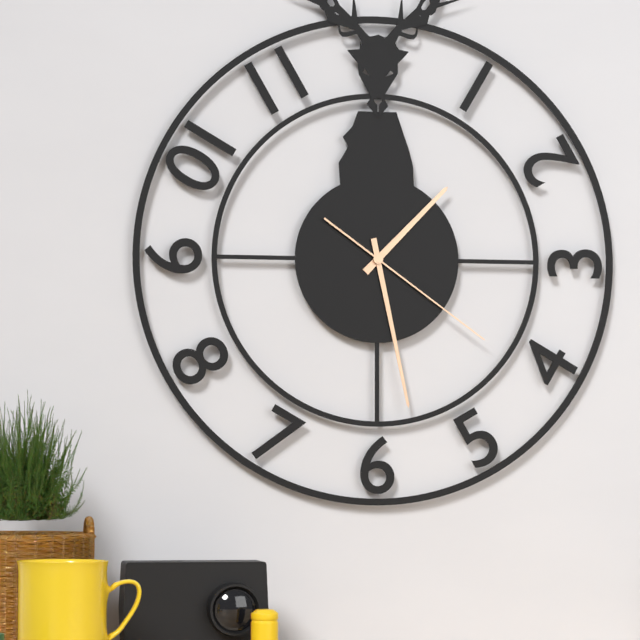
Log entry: 1h28m21s
